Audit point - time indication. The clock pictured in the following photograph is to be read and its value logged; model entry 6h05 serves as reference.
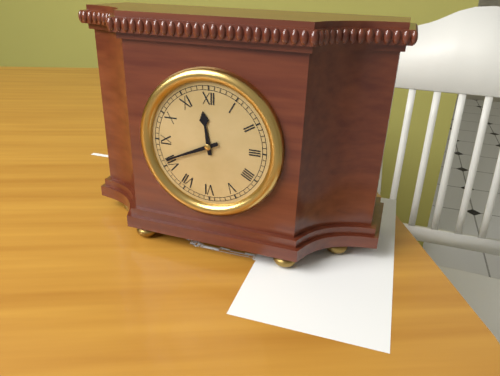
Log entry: 11h41
